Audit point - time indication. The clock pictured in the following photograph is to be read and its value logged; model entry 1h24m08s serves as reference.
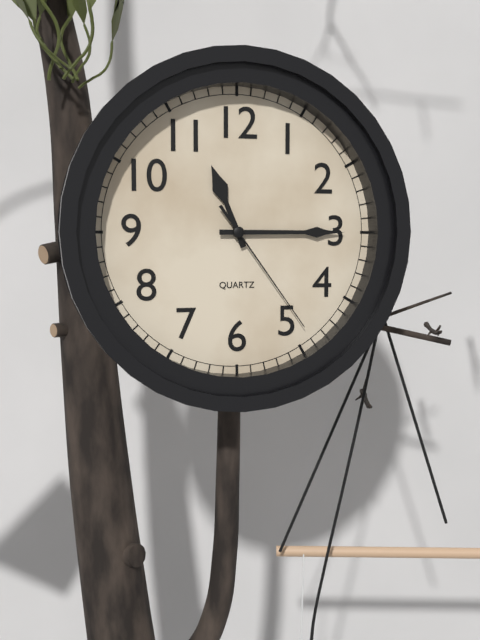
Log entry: 11h15m24s
